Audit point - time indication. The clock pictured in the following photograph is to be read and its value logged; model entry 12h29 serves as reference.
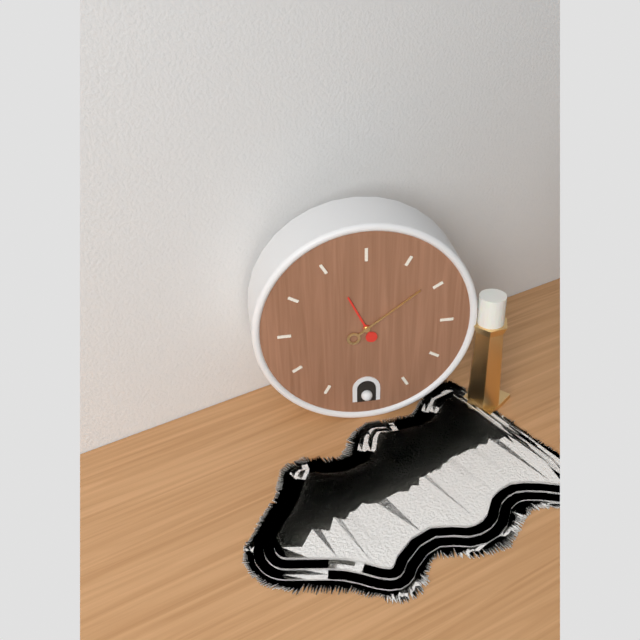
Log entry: 11h09
